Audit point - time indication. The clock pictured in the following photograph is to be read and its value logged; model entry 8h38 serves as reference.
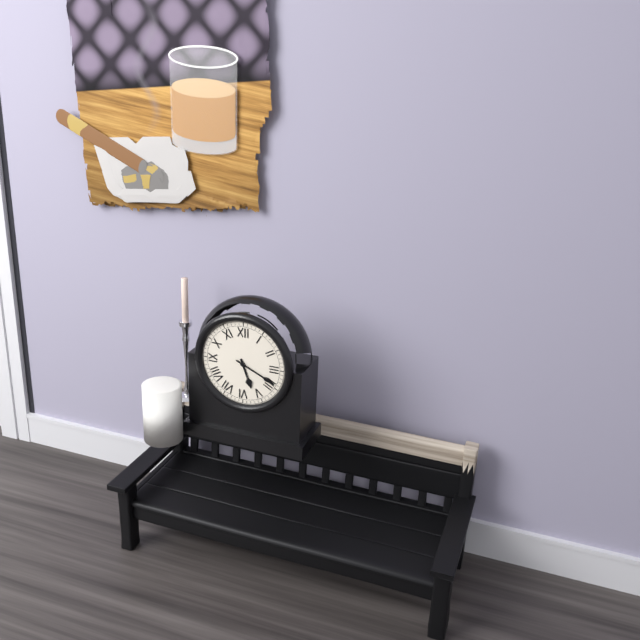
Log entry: 5h19
